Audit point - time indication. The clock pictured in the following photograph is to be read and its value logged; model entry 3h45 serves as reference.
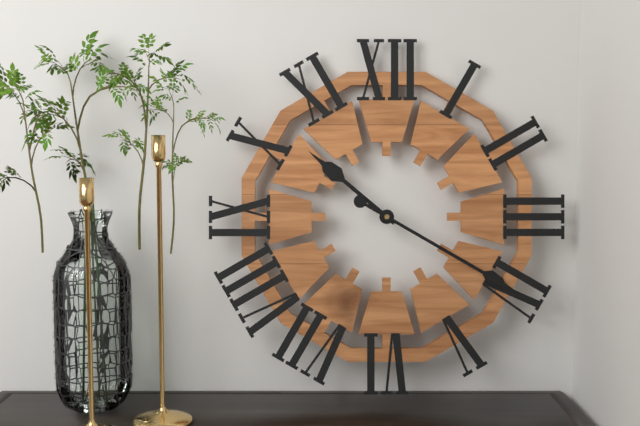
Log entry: 10h20
